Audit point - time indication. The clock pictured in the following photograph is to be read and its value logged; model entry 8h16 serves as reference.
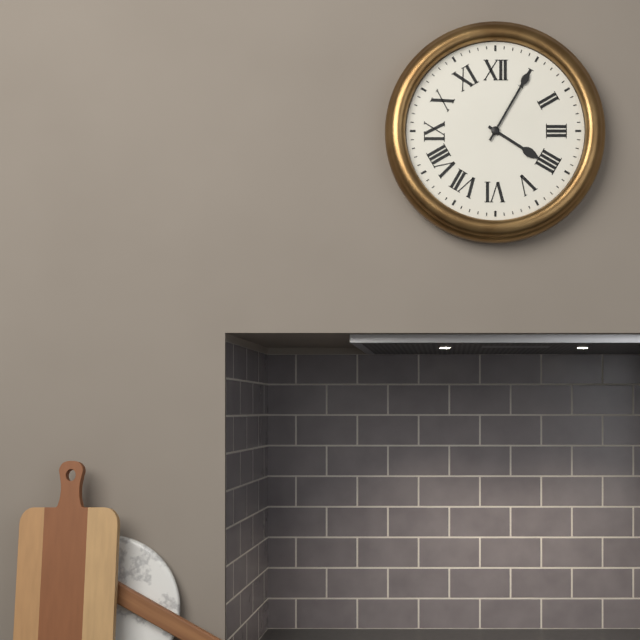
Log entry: 4h05
